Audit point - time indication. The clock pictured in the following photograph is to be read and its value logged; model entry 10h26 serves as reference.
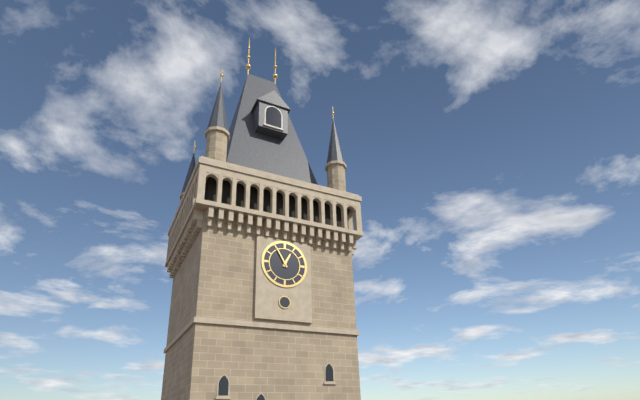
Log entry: 12h55
